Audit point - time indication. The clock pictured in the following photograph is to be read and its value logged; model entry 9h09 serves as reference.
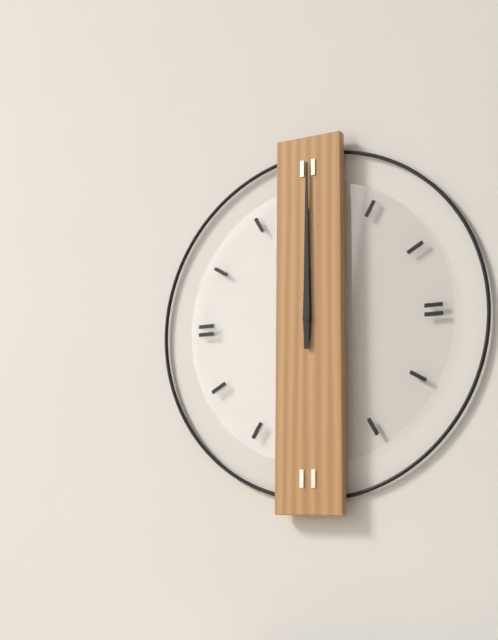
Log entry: 12h00
